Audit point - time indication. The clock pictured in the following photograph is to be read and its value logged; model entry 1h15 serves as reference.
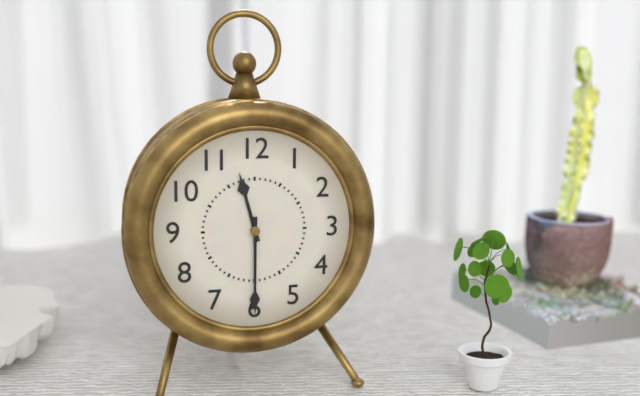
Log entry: 11h30
